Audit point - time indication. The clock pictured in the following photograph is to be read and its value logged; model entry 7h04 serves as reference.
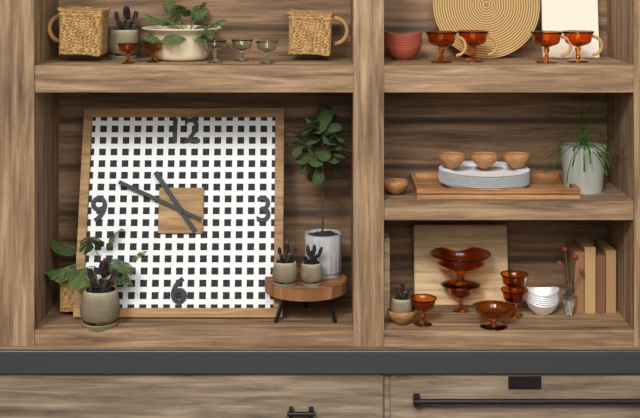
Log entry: 10h49
